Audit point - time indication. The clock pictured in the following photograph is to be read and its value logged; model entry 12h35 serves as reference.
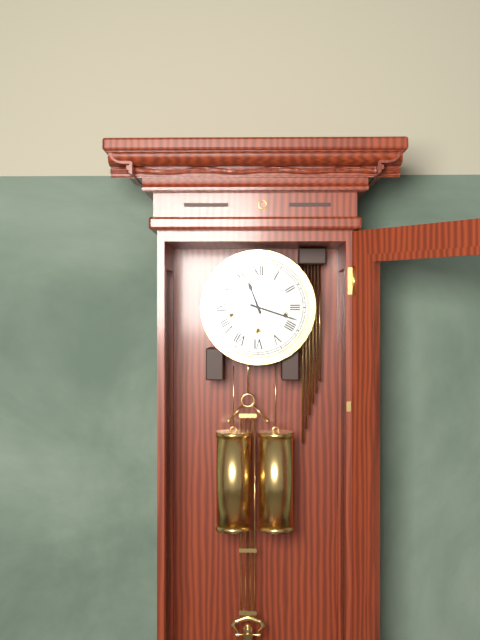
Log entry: 11h18
